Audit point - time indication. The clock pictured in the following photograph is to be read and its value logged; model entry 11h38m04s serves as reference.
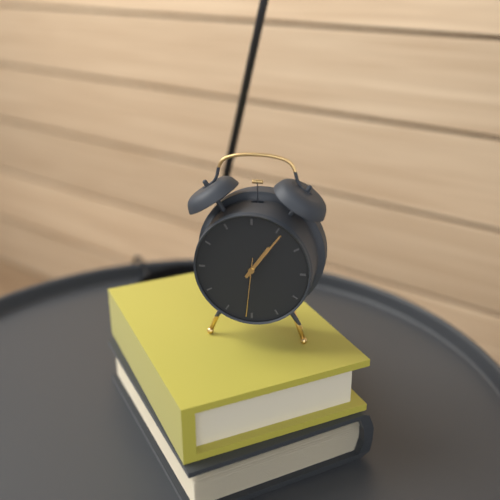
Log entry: 1h06m31s
